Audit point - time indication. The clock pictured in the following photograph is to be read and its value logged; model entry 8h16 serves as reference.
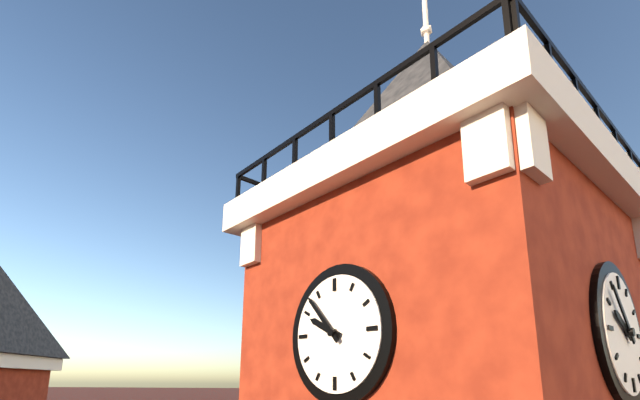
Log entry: 9h53
